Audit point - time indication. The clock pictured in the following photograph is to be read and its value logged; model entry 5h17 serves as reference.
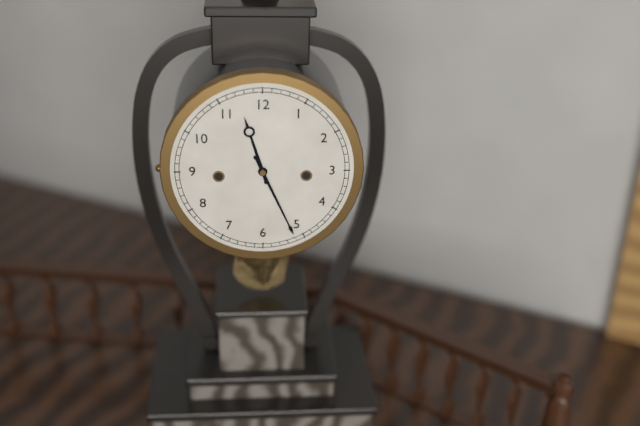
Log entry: 11h26
